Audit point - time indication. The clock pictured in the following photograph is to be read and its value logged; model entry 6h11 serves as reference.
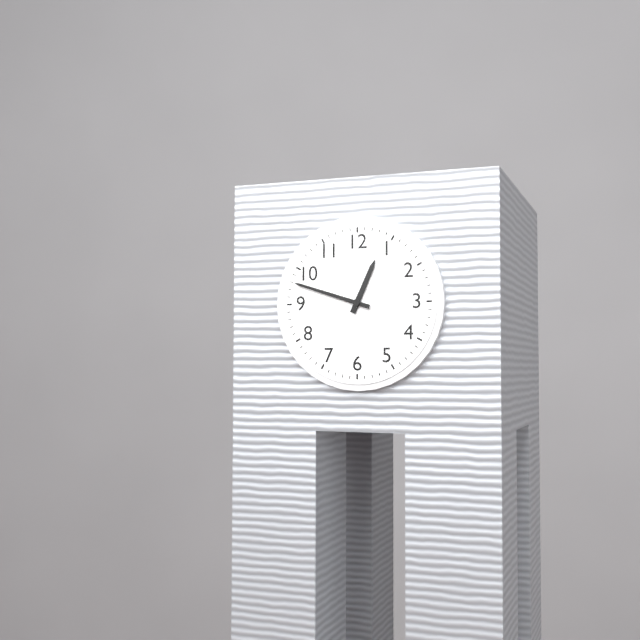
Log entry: 12h48
